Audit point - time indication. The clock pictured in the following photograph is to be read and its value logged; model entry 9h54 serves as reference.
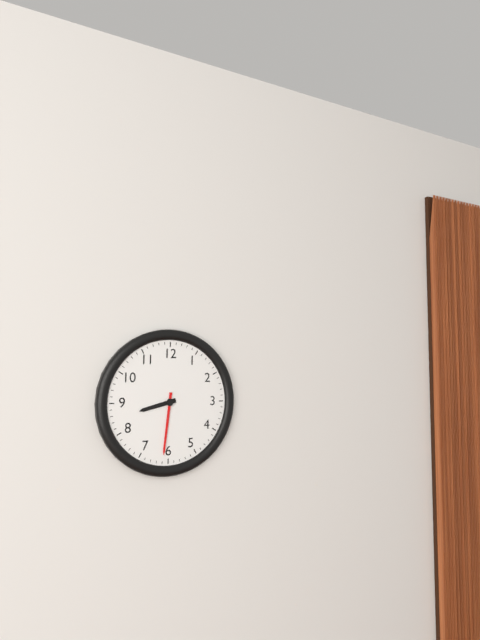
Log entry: 8h31
